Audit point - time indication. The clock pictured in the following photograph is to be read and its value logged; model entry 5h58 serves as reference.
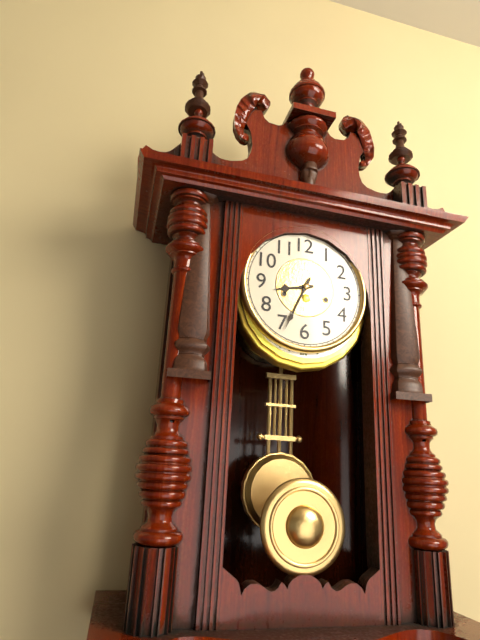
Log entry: 8h34
